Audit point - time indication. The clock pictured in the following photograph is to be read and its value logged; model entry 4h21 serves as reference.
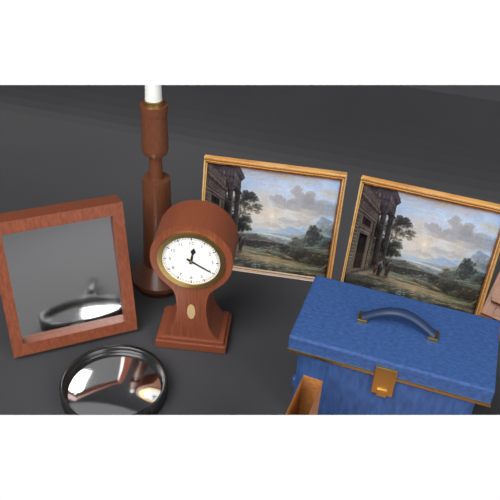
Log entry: 12h20
